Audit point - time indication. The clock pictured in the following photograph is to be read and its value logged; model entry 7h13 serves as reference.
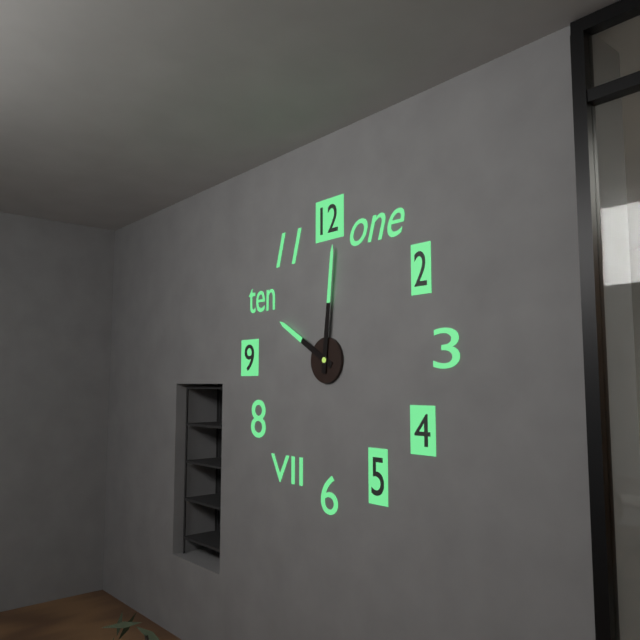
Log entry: 10h01
